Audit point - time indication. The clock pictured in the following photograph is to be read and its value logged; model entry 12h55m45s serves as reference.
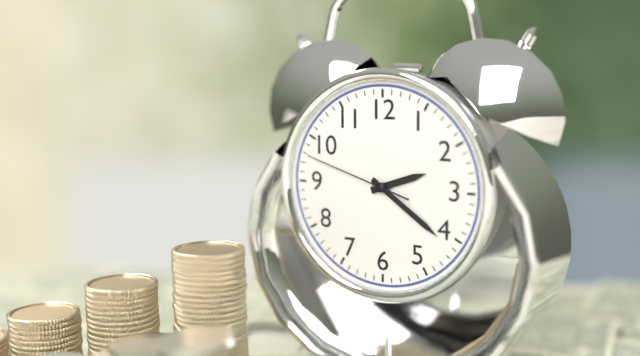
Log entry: 2h21m48s
